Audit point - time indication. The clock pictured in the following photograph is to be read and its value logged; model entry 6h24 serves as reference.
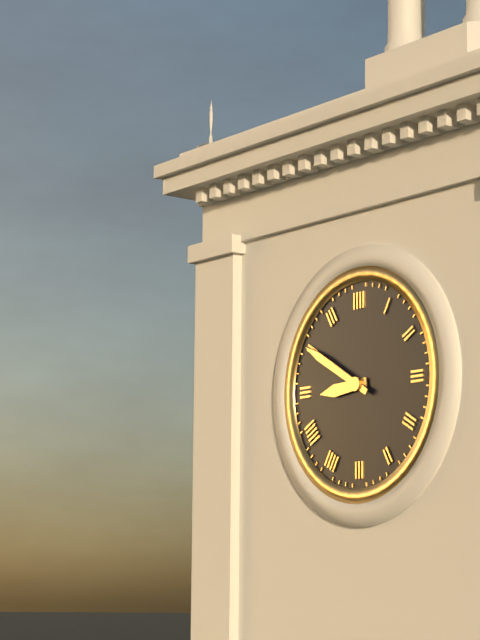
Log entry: 8h50
